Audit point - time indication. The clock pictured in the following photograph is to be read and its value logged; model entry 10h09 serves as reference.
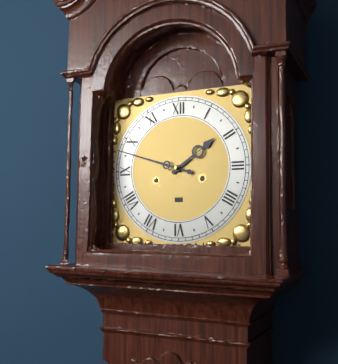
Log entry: 1h48
